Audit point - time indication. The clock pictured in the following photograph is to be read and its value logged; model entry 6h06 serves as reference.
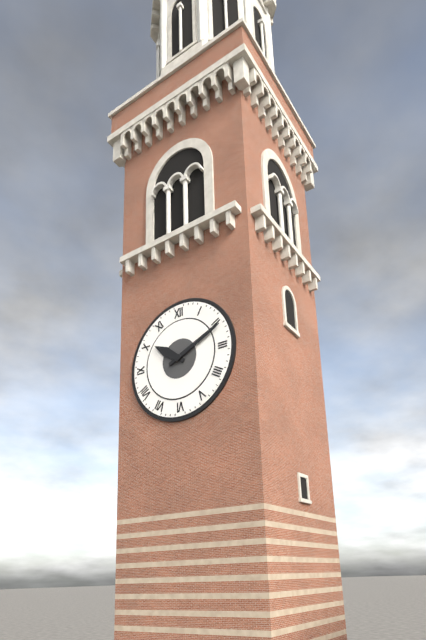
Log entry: 10h11
